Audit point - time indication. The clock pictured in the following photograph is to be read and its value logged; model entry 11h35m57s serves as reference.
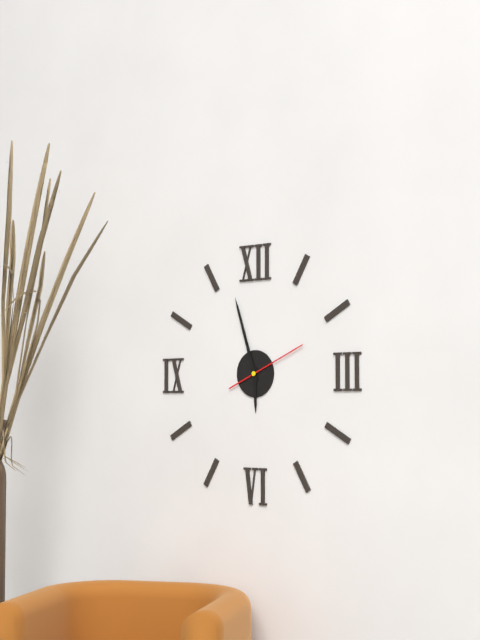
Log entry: 5h57m11s
